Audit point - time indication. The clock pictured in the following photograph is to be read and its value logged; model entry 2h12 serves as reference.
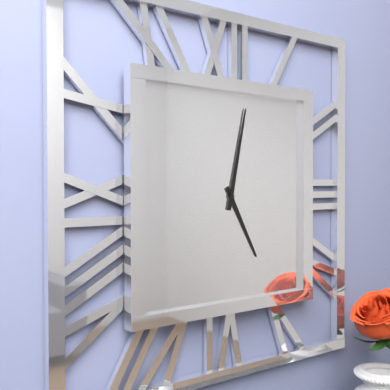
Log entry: 5h02
